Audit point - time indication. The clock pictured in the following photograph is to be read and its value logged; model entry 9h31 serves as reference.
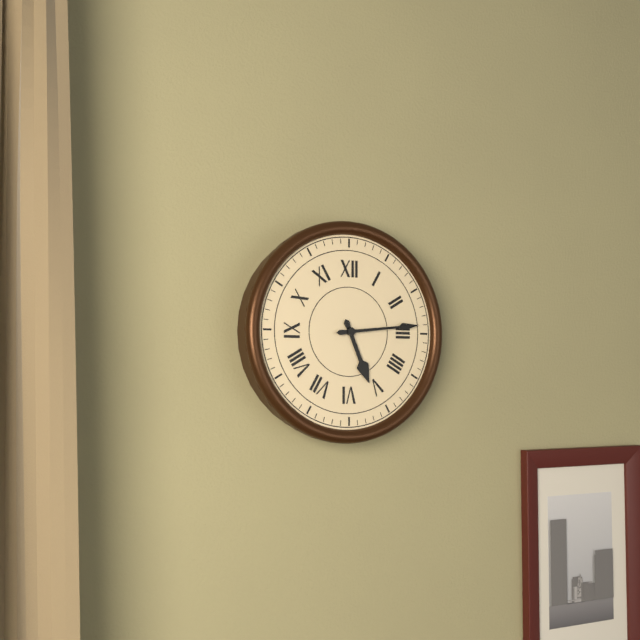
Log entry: 5h14
